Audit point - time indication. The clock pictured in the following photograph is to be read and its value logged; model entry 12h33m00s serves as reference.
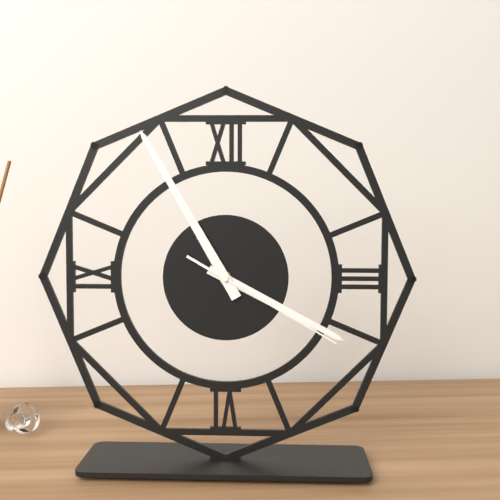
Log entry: 3h55m20s
